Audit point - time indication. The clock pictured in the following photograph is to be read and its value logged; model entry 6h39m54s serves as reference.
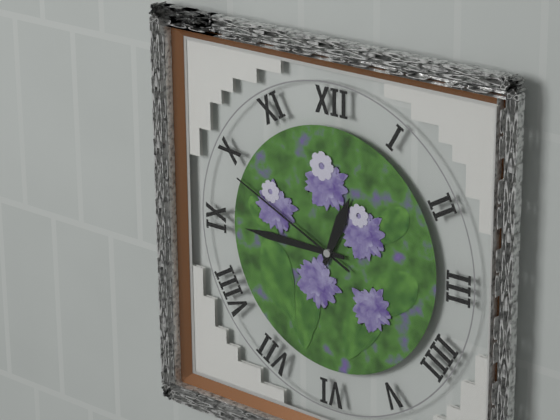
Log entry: 12h45m49s
